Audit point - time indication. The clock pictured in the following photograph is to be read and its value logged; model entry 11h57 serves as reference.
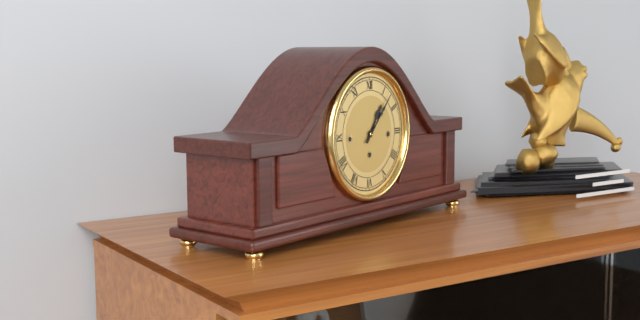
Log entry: 1h07
